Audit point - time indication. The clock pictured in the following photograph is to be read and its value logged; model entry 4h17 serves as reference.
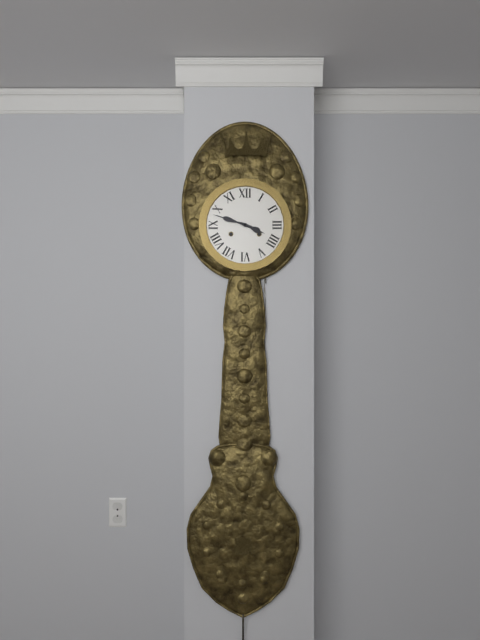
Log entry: 3h48
